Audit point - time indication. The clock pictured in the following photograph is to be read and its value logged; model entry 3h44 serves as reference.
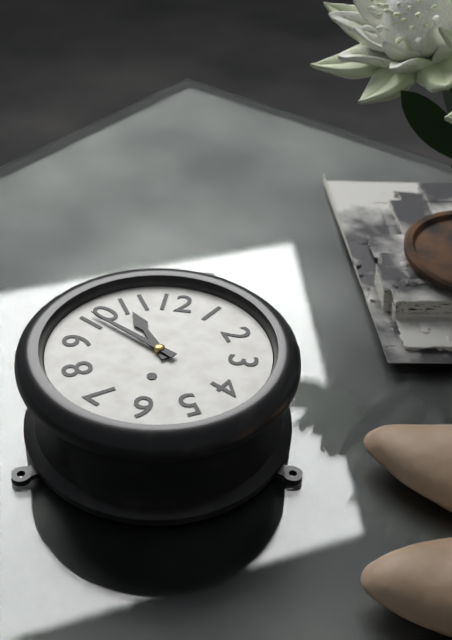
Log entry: 10h50
